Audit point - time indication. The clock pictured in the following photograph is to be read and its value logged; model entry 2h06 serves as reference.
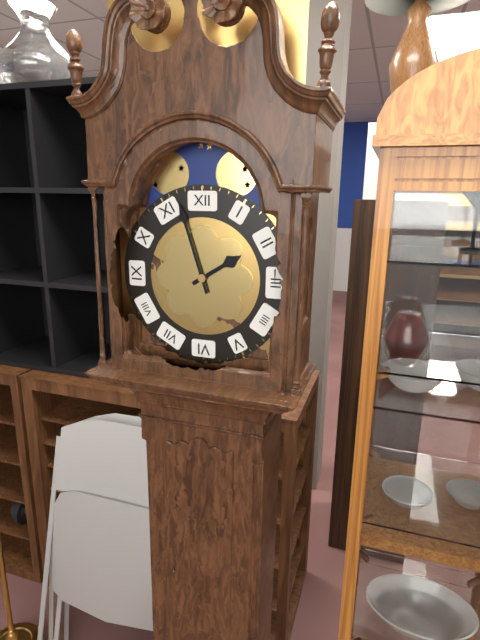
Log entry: 1h57
